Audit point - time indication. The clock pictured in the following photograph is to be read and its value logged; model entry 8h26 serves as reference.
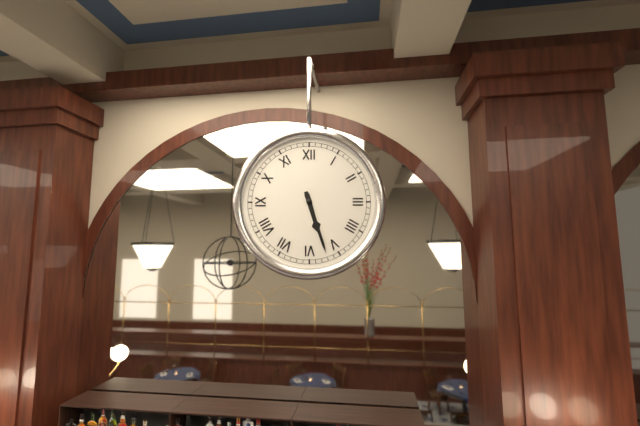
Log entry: 5h27
